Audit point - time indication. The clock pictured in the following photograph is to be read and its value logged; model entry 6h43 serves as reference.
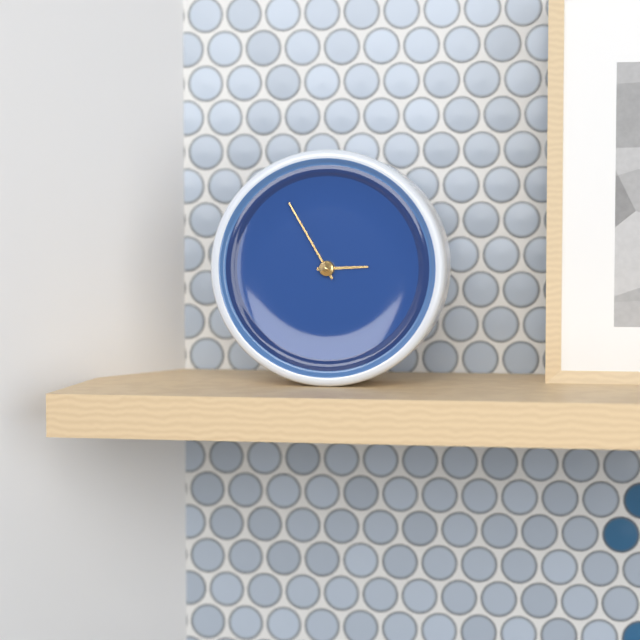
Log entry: 2h55
